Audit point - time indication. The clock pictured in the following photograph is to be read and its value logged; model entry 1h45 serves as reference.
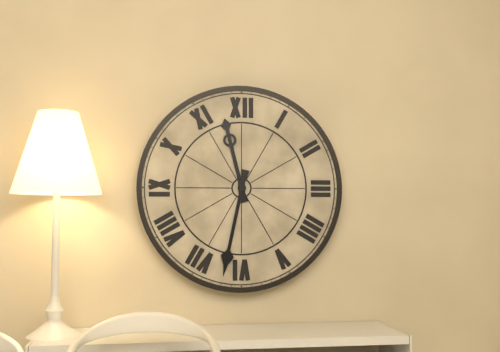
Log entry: 11h32
